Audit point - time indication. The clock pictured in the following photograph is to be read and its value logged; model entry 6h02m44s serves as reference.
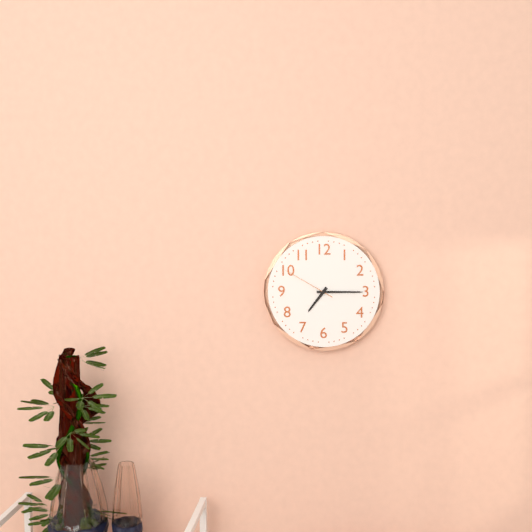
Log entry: 7h15m50s
